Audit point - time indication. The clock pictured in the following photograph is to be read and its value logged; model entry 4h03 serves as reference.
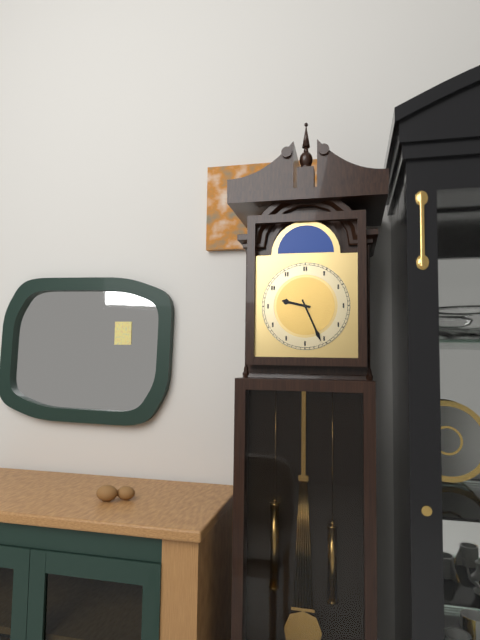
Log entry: 9h26
